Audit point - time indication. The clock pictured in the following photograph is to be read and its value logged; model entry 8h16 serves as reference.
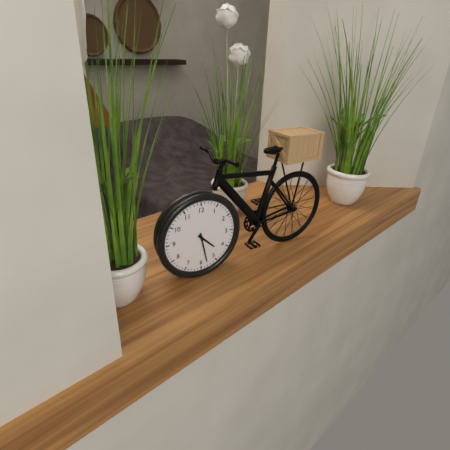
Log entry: 4h28
